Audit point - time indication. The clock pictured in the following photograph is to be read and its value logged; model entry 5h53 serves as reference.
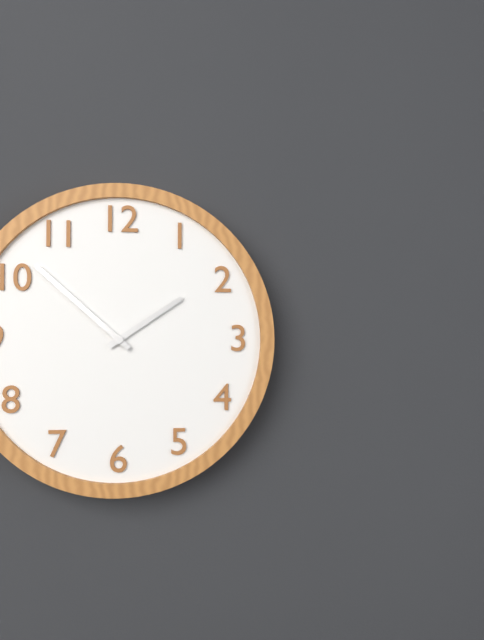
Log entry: 1h52
